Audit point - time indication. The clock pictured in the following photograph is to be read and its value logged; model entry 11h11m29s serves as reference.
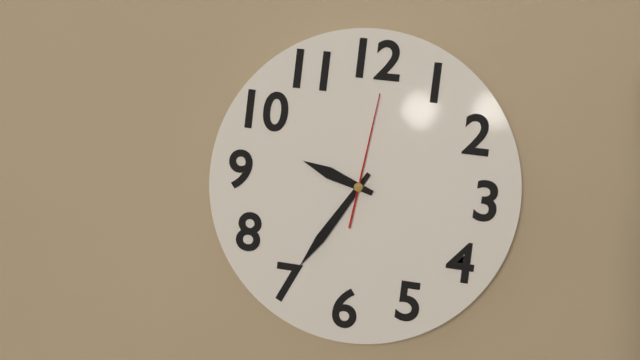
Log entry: 9h35m01s
